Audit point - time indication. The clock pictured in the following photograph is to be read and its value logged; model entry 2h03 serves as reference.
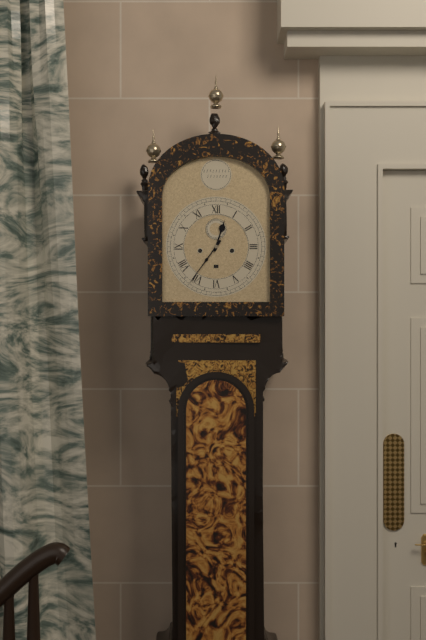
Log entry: 12h36
